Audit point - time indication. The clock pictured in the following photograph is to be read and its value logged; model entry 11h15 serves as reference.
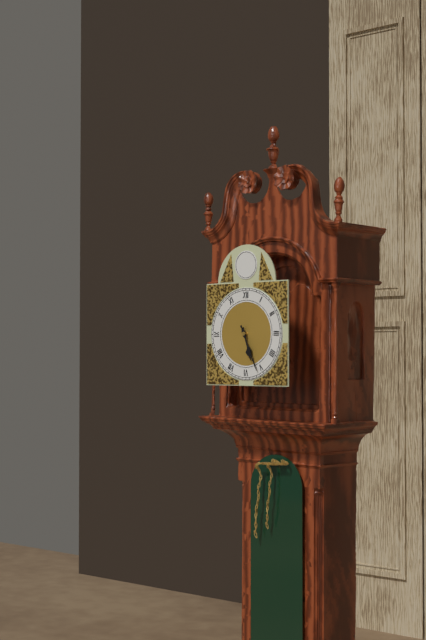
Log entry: 5h26
